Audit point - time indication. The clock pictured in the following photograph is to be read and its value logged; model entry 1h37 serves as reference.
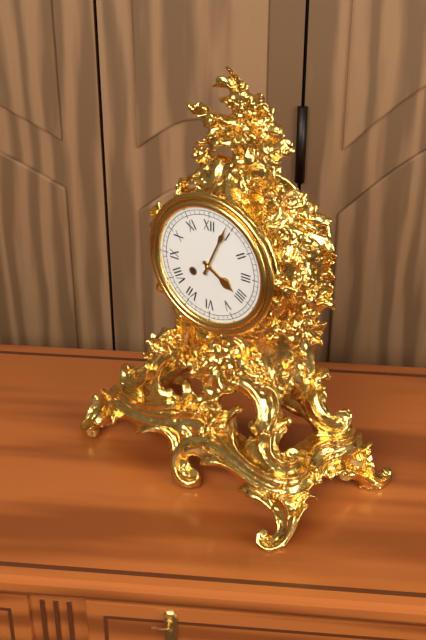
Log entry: 4h04
